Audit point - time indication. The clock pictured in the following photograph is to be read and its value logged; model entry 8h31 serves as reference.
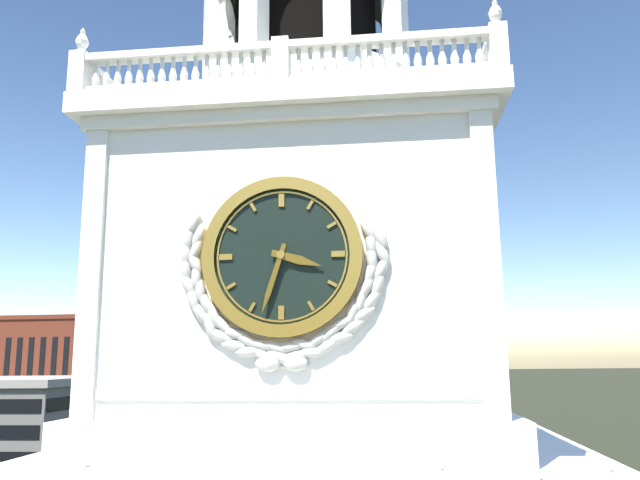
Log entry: 3h33
